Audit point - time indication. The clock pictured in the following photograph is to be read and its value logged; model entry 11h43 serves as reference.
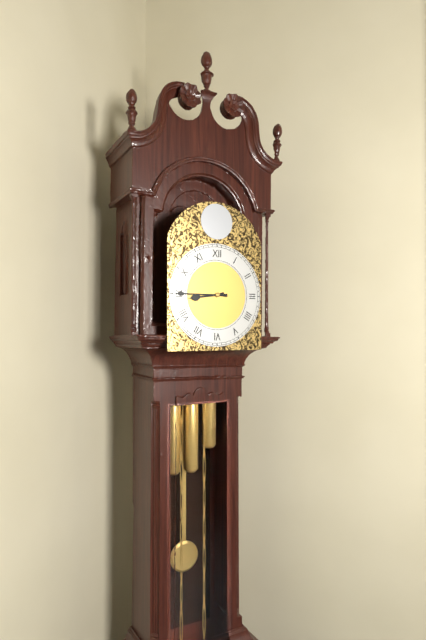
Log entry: 8h45
